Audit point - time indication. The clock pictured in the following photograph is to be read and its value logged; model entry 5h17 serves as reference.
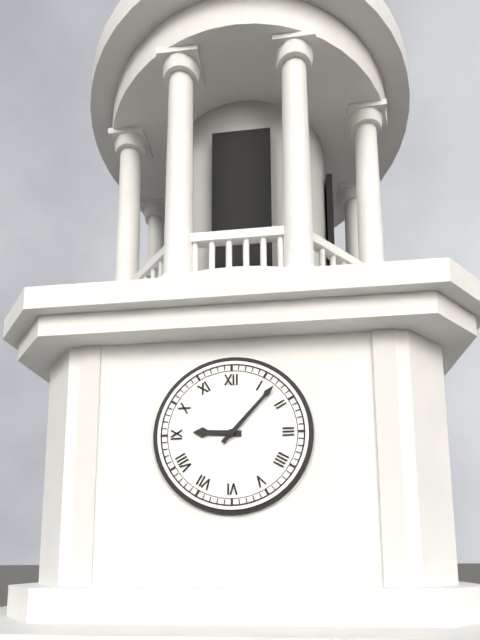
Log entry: 9h07
